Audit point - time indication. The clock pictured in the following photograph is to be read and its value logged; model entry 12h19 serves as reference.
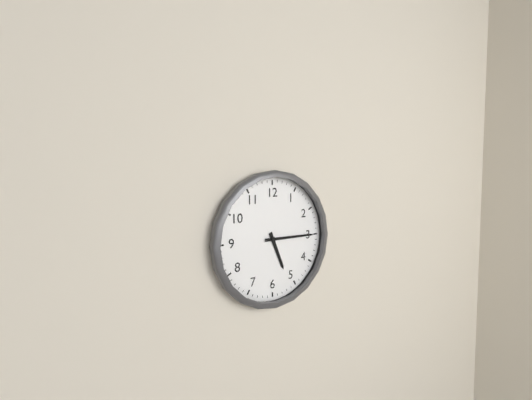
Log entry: 5h15
